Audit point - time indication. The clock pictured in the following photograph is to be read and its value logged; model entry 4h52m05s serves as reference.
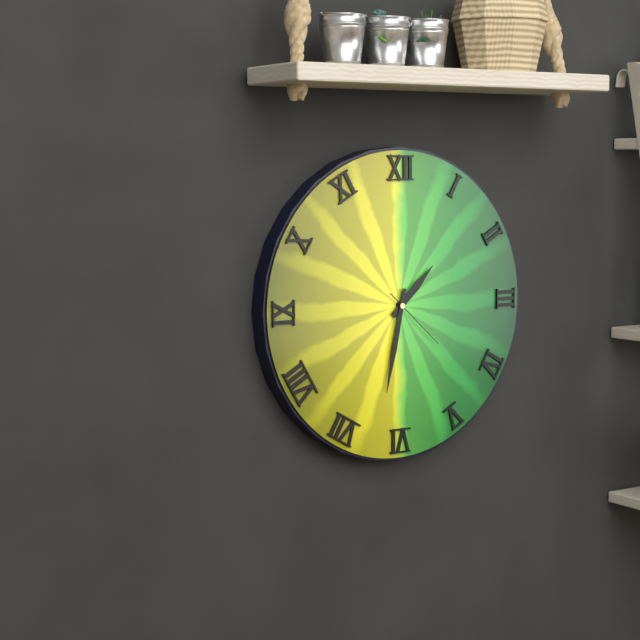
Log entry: 1h32m22s
